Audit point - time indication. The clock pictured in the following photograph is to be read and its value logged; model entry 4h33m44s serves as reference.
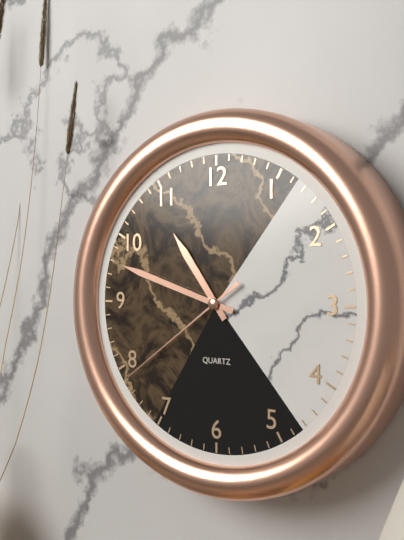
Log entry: 10h48m39s
